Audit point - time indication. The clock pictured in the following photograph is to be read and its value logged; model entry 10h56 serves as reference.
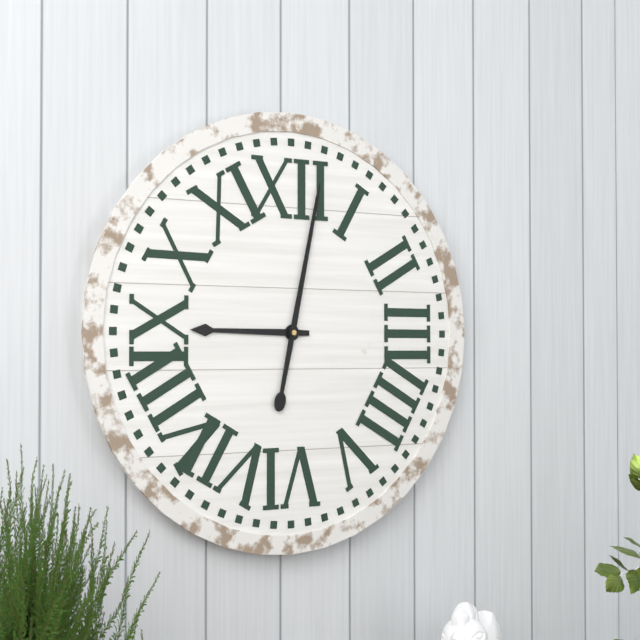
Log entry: 9h02
